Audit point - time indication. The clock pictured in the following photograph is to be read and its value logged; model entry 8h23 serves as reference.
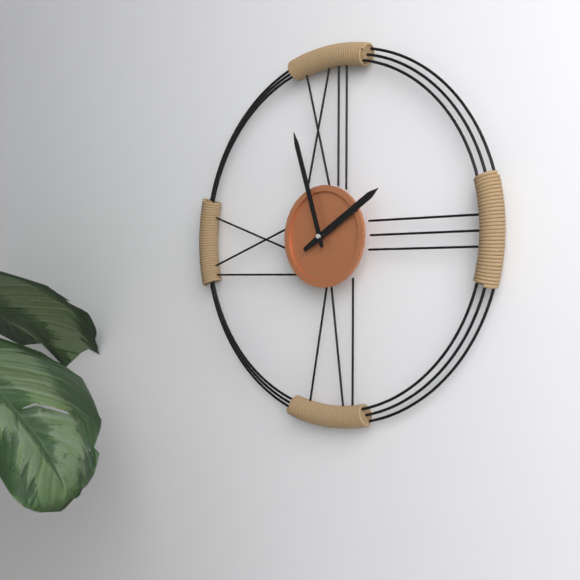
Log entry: 1h57
